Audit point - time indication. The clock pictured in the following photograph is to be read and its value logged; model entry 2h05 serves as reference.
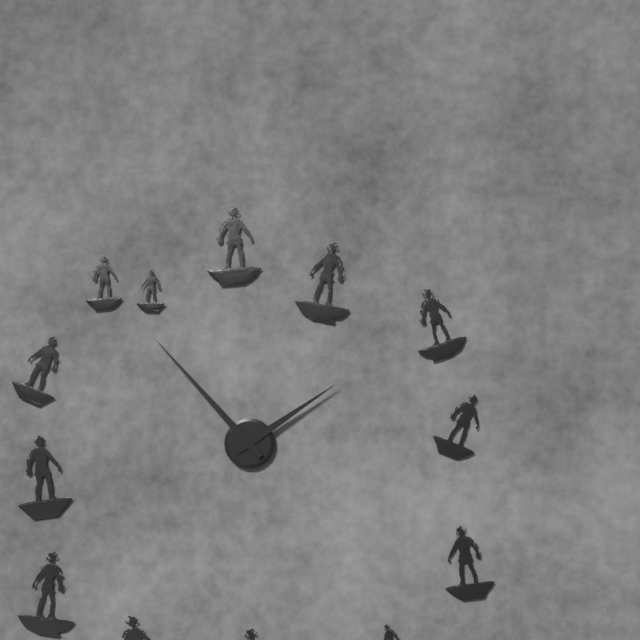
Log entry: 1h53
